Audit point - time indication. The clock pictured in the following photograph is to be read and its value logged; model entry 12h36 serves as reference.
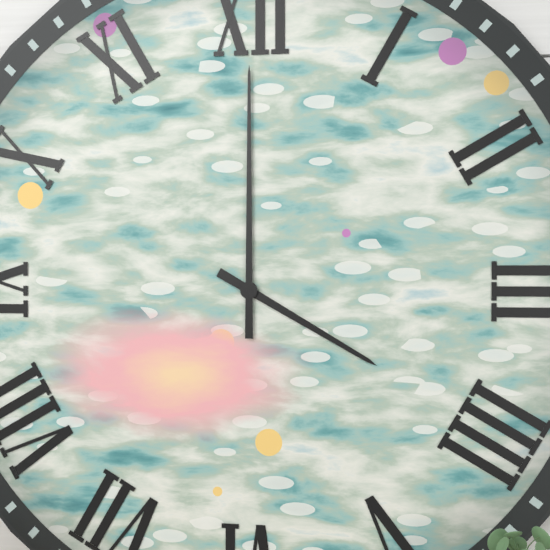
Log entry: 4h00
